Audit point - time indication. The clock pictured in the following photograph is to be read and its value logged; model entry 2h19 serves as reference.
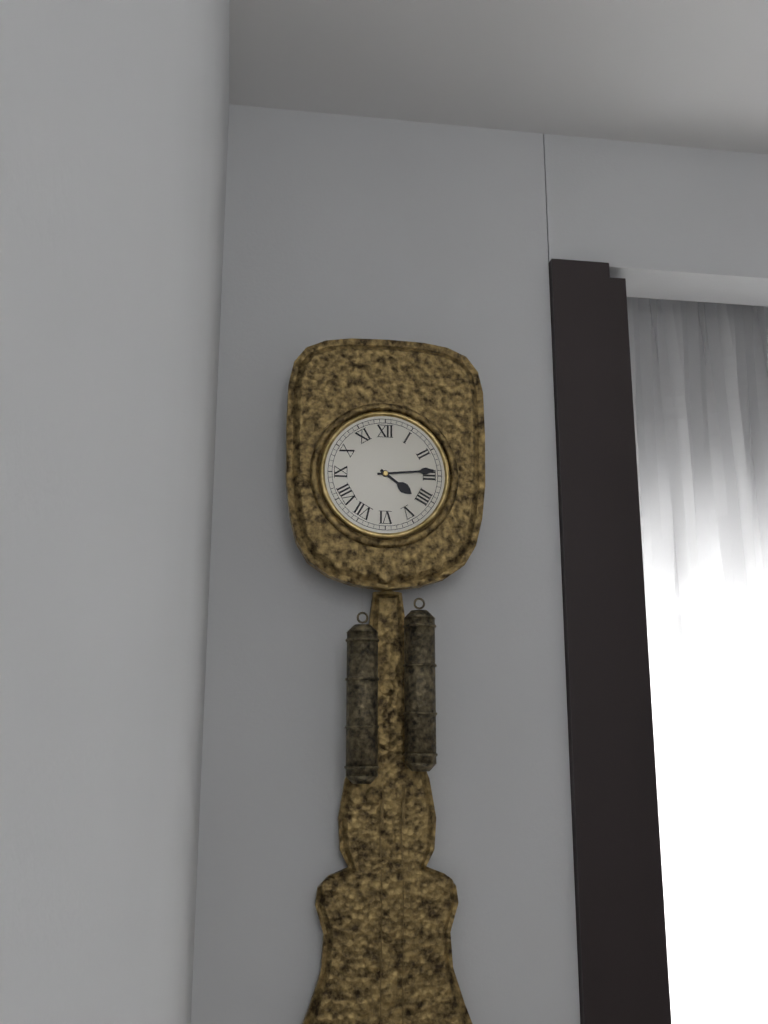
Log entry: 4h14
